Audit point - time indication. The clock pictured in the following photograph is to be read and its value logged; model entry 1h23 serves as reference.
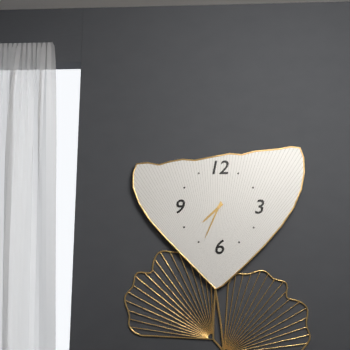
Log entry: 7h34
